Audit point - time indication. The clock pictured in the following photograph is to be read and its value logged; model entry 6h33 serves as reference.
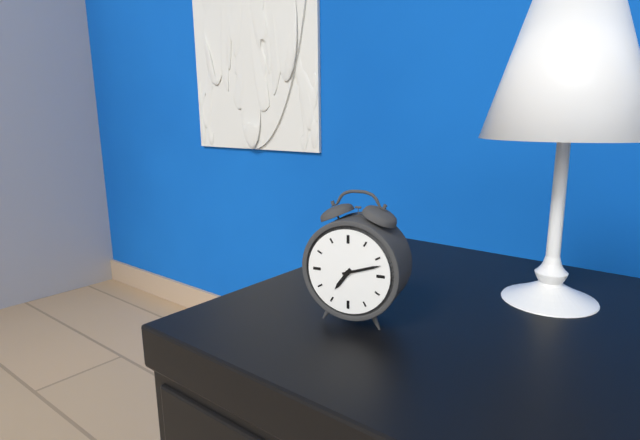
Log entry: 7h12
